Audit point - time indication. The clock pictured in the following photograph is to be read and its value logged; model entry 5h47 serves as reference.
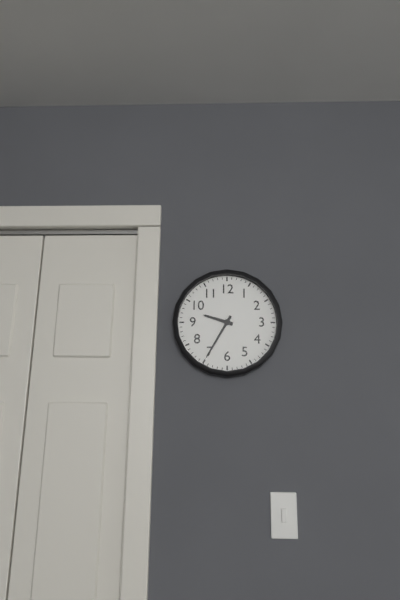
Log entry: 9h35
